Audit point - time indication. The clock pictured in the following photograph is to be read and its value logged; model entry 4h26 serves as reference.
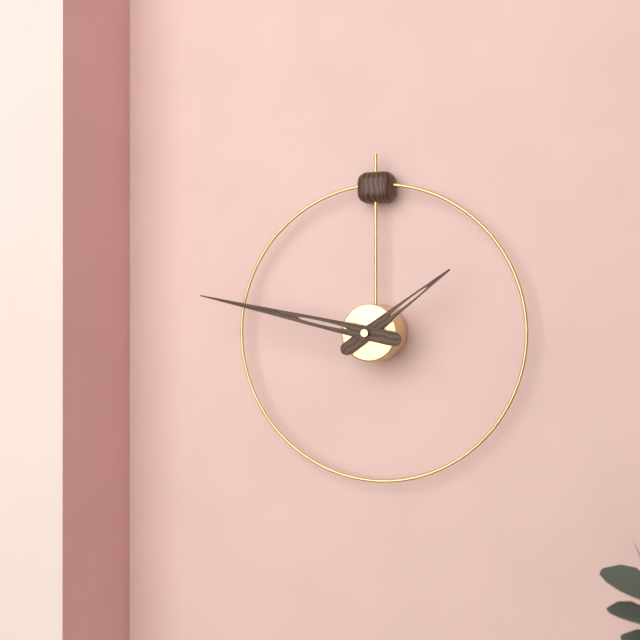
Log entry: 1h47
